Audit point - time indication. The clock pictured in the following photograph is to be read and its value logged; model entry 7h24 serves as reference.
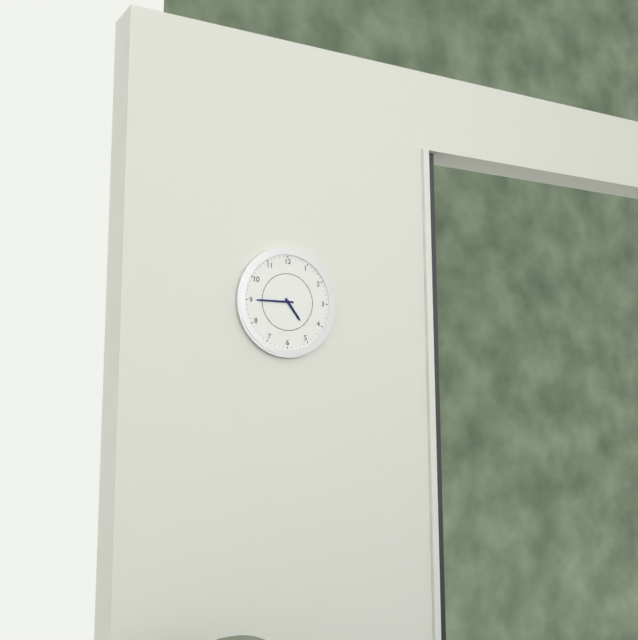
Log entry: 4h45
